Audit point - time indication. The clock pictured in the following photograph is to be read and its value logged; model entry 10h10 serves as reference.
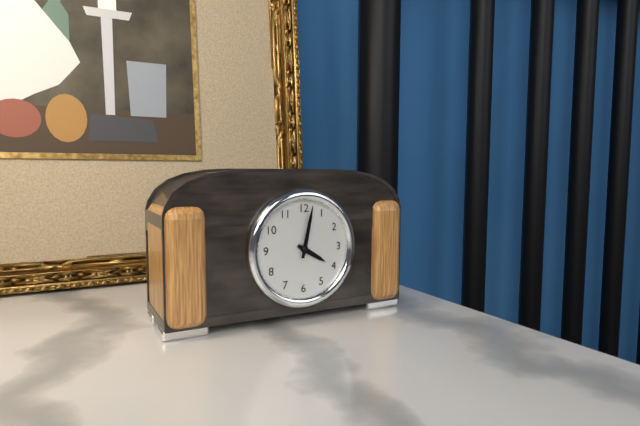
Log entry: 4h02
